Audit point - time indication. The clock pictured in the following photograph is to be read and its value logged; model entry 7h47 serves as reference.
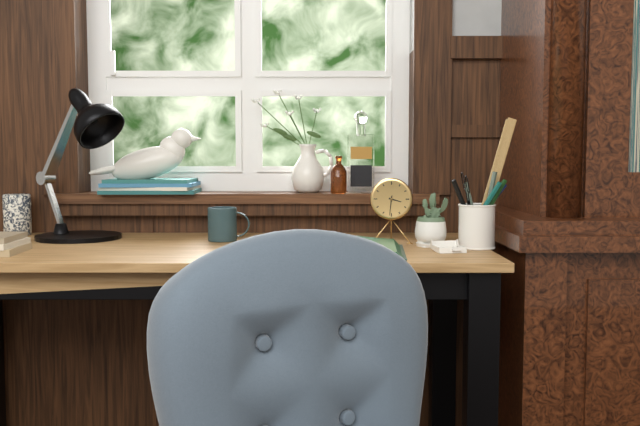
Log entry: 3h31
